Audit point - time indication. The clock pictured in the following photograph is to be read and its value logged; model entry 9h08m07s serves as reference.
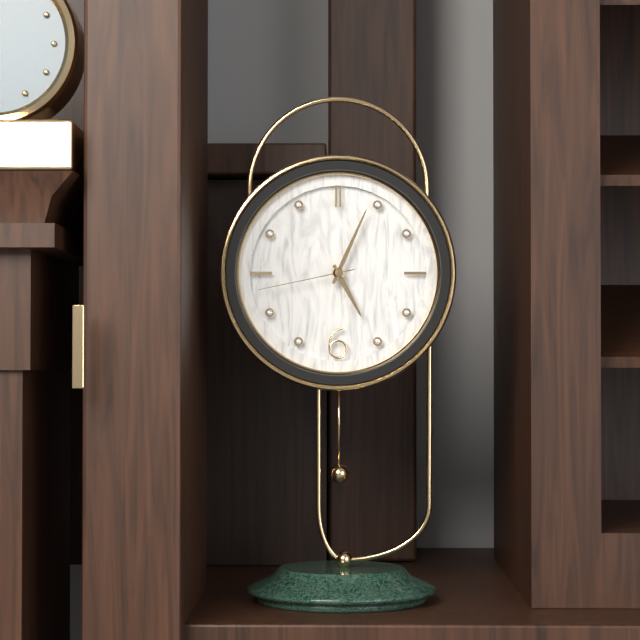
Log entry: 5h04m43s
